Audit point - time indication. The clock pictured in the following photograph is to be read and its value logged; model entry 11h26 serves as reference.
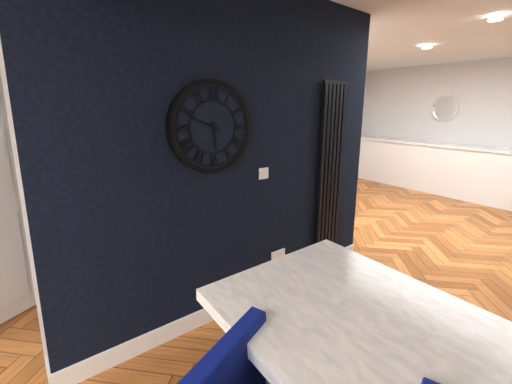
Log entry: 5h49
